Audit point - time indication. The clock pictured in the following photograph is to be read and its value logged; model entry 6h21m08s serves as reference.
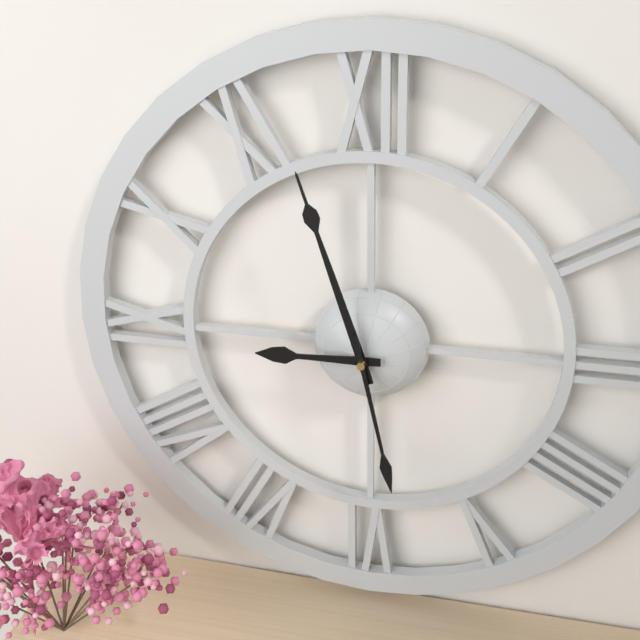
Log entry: 8h57m28s
